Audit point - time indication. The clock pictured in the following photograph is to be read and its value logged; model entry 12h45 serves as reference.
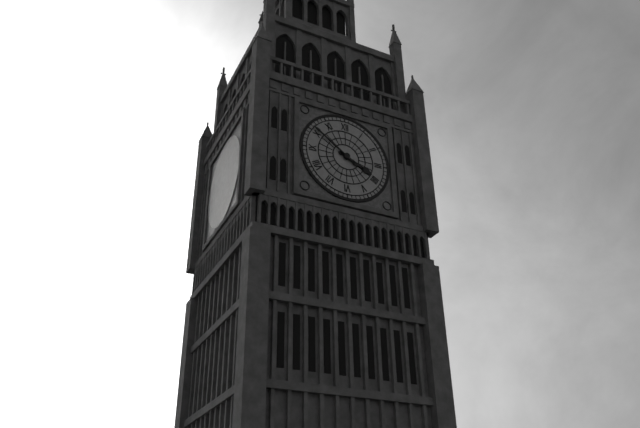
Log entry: 3h51
